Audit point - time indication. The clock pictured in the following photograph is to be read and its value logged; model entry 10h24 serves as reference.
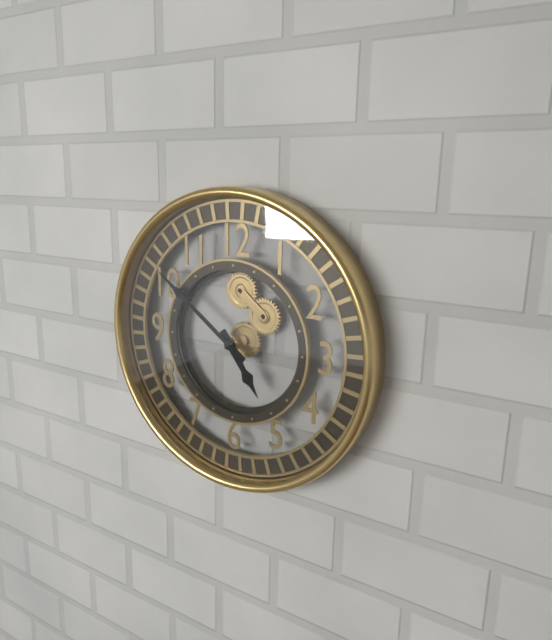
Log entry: 4h51
